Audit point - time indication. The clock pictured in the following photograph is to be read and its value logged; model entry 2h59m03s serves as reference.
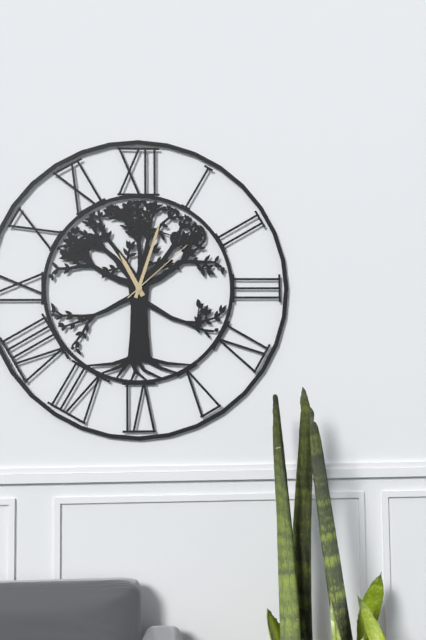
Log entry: 11h03m08s
